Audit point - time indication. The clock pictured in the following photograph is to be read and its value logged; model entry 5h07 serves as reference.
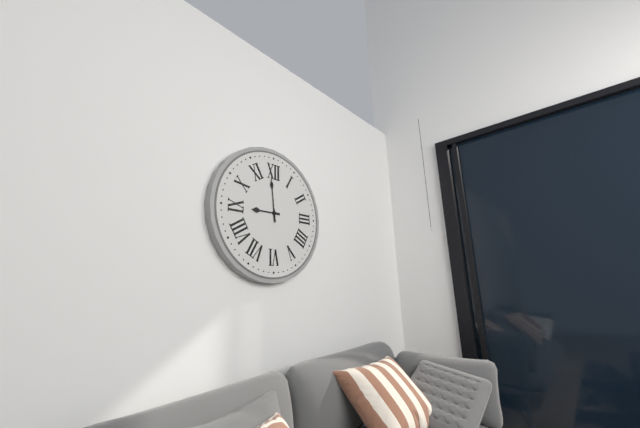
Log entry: 8h59
